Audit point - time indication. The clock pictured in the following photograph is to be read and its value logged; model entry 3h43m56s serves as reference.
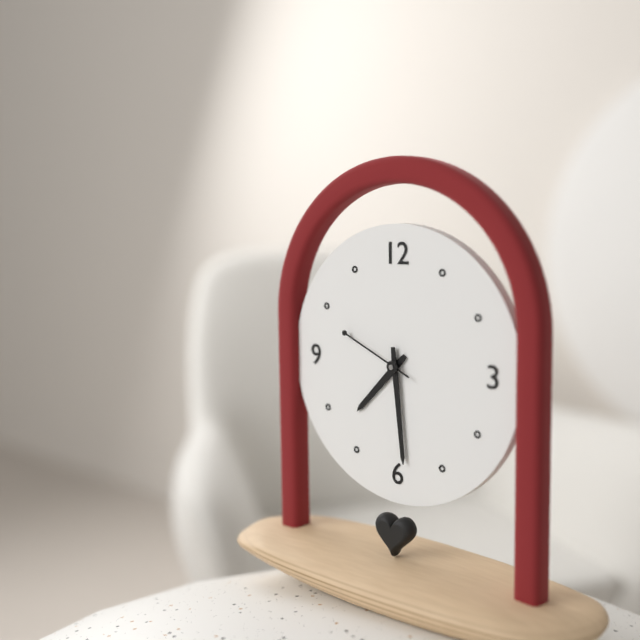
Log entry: 7h29m49s
